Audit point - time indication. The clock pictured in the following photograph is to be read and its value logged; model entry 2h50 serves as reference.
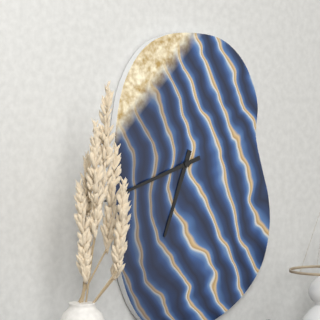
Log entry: 6h42
